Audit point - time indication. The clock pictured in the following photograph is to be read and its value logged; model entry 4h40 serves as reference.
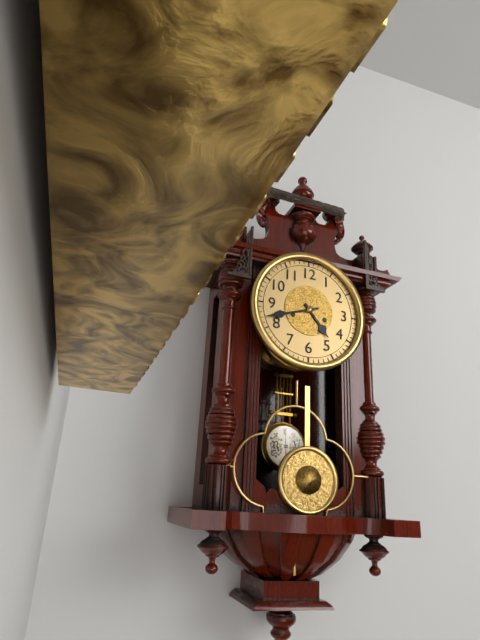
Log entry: 4h42
